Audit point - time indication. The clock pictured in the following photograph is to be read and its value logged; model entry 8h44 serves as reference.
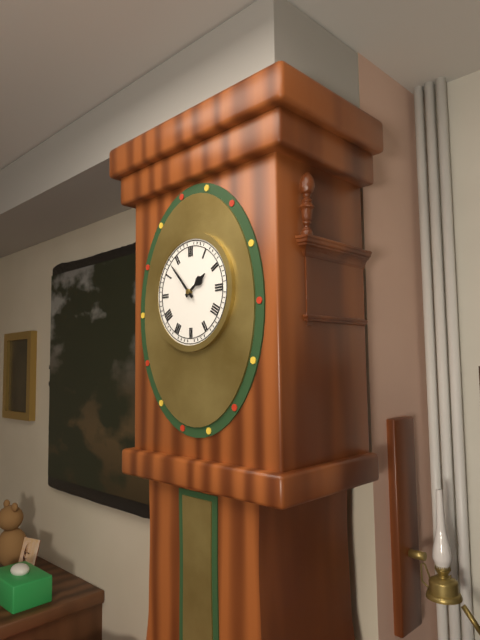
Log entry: 1h53
